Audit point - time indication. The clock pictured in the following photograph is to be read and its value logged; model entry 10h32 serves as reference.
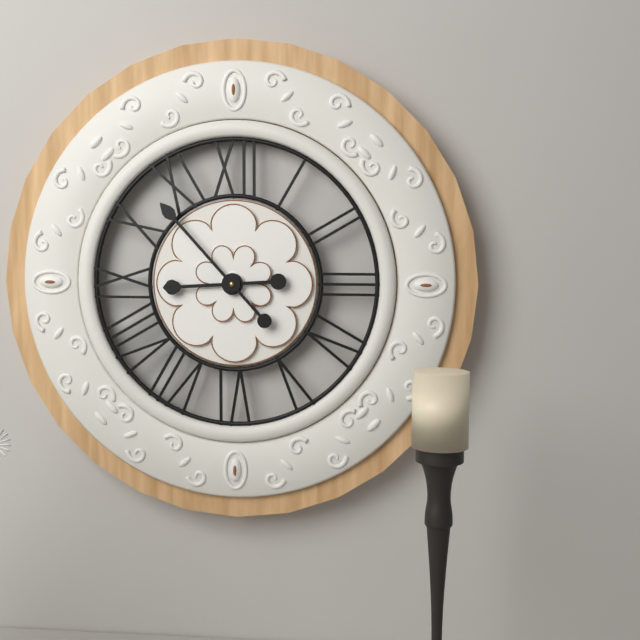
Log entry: 8h53
